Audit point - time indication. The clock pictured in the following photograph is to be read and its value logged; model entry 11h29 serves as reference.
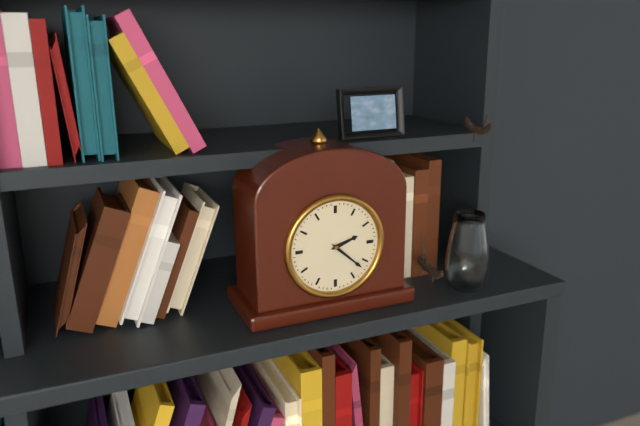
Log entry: 2h22
